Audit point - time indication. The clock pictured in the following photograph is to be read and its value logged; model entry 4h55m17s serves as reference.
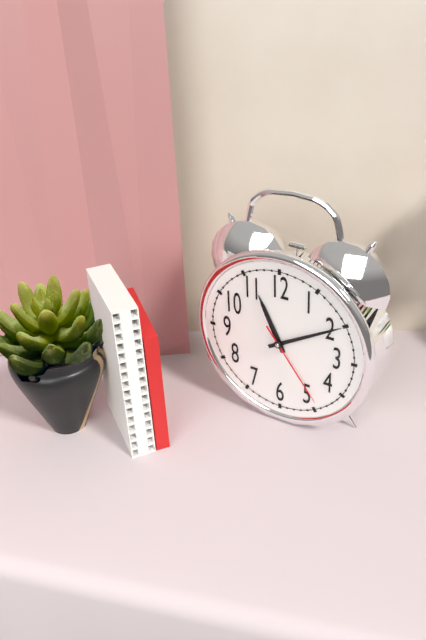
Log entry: 11h10m24s
